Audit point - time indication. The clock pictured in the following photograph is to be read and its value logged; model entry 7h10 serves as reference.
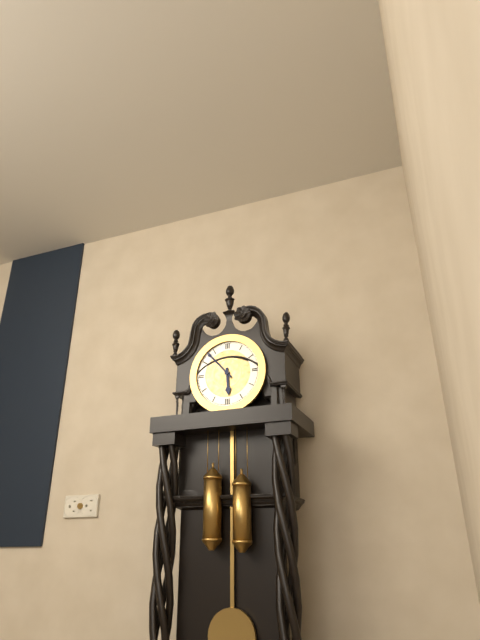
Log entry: 5h53
